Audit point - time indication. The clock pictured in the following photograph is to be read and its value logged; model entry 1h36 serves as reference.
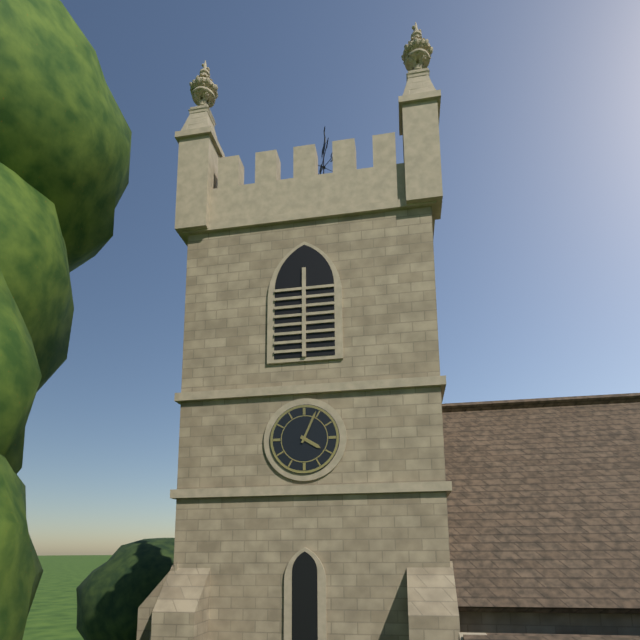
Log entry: 4h04
